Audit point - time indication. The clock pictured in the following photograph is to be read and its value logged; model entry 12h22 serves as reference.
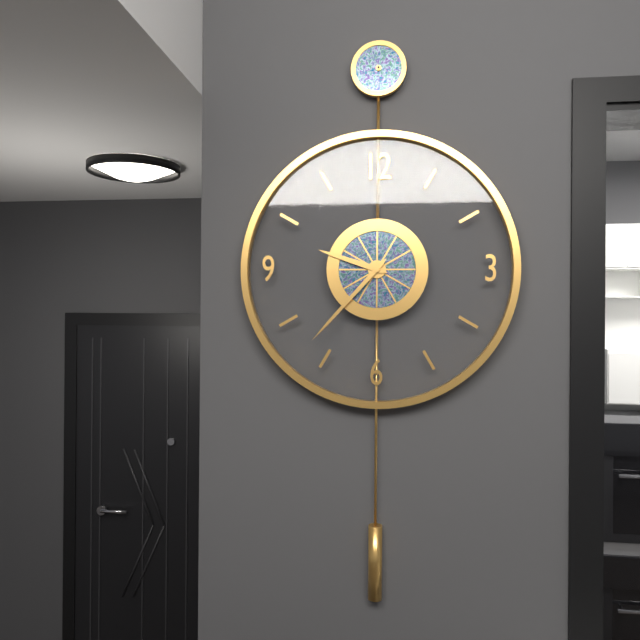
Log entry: 9h37
